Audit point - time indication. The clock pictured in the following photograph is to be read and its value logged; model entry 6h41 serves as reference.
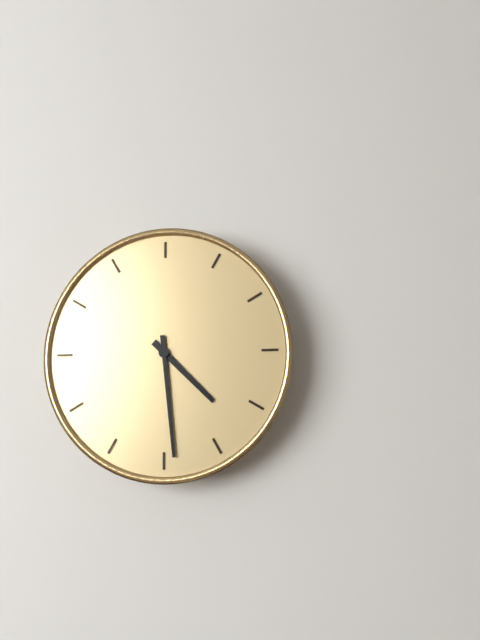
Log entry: 4h29
